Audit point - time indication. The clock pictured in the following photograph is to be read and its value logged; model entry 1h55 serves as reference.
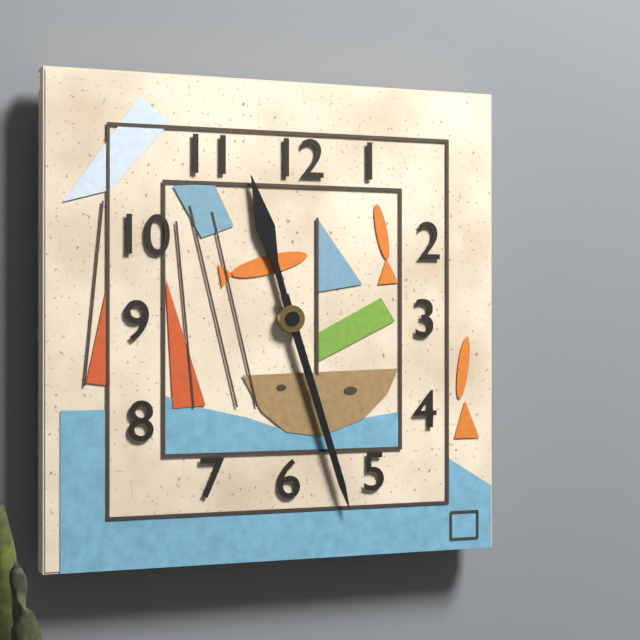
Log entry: 11h27
